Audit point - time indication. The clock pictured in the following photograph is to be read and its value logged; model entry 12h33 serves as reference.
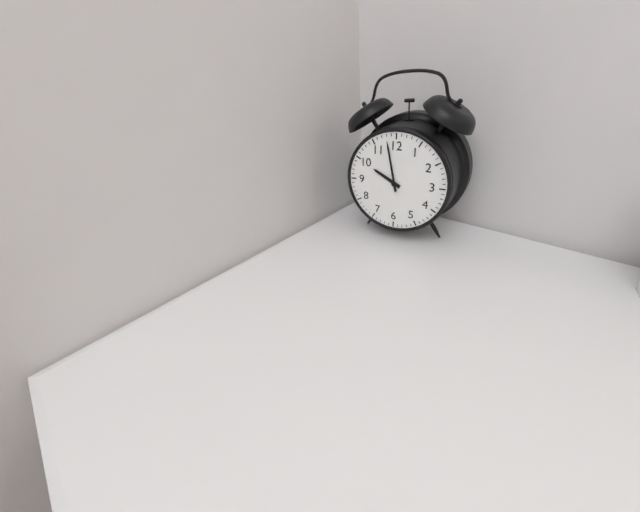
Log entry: 9h58
